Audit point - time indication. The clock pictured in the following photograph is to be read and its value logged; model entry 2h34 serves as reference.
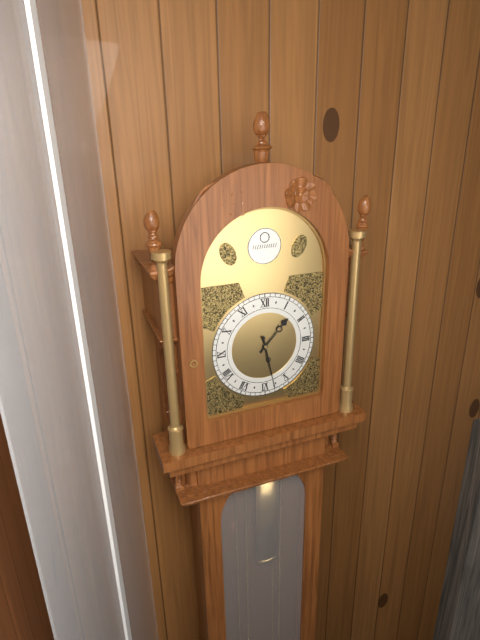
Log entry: 1h28
